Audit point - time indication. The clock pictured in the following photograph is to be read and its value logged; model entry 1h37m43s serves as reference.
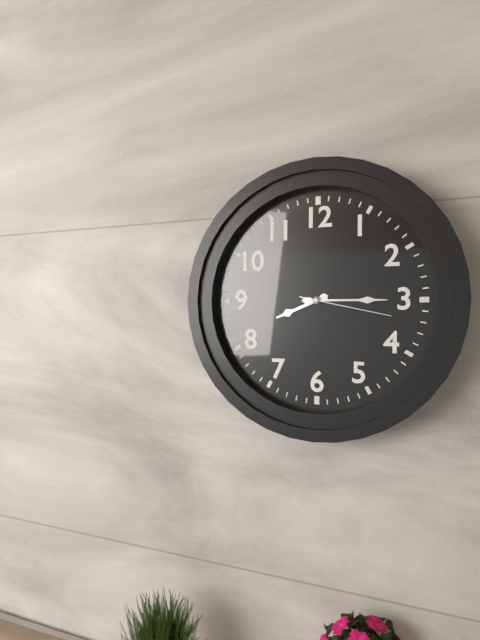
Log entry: 8h15m17s
